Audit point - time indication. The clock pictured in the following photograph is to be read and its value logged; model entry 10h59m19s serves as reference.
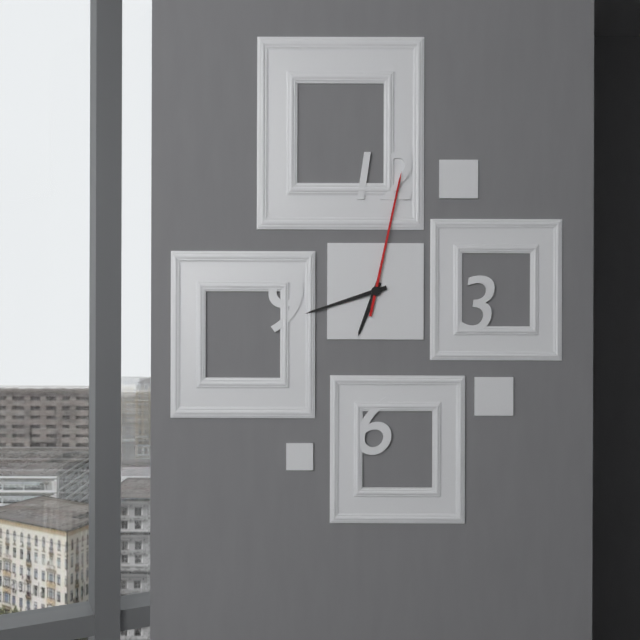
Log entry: 6h42m02s
